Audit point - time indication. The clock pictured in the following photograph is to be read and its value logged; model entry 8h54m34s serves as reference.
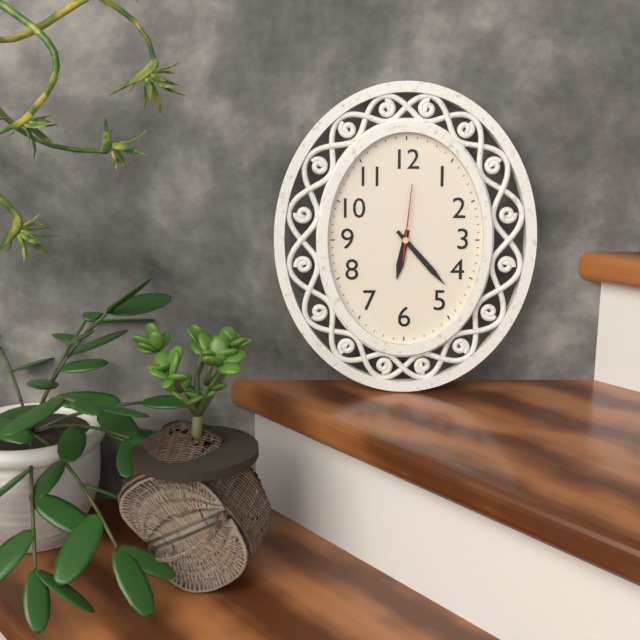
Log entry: 6h23m01s
